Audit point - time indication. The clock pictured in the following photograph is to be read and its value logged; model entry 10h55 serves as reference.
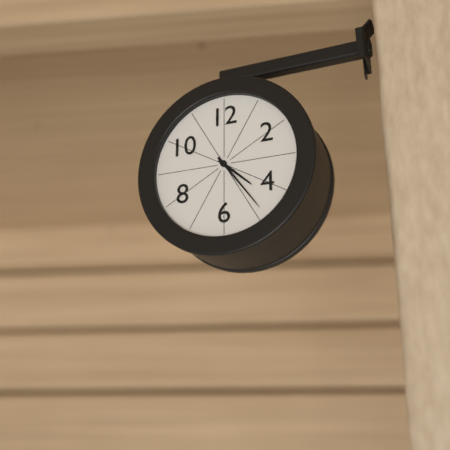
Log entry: 4h24
